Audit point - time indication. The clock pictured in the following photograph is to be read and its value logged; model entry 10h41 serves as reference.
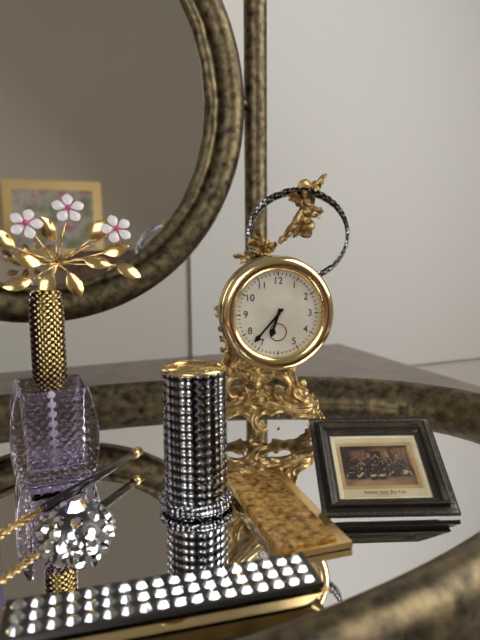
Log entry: 6h37
